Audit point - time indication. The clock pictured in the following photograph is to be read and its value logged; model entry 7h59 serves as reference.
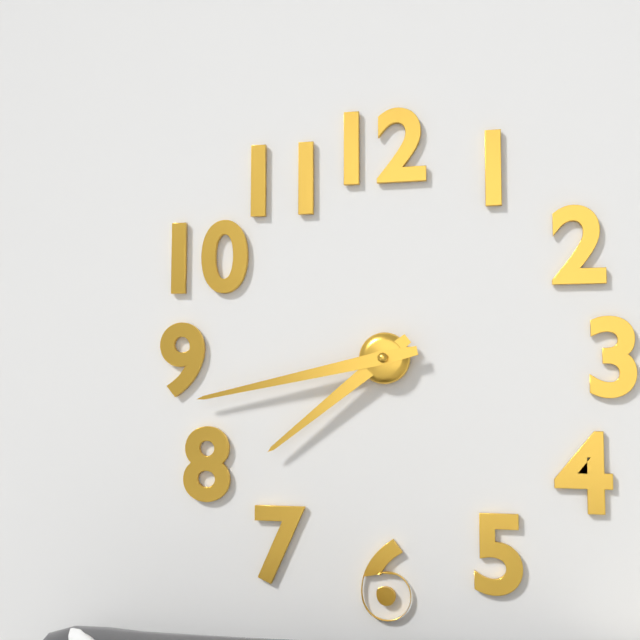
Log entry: 7h43
